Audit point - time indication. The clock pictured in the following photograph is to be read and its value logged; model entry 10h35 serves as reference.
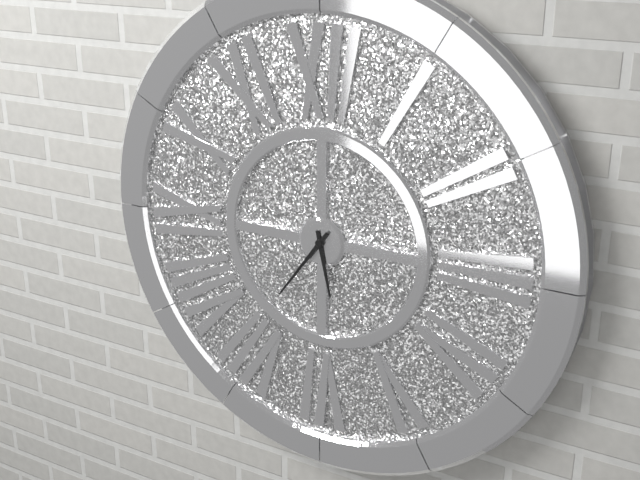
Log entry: 5h36
